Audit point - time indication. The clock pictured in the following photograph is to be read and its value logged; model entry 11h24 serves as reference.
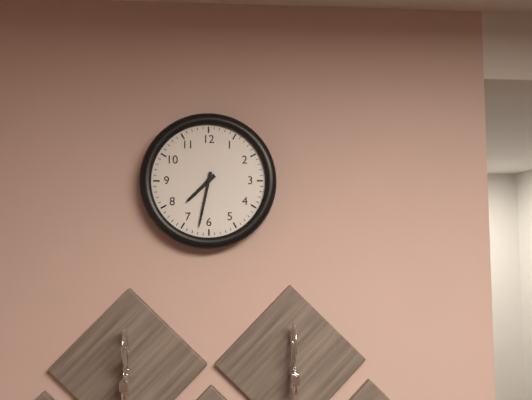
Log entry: 7h32
